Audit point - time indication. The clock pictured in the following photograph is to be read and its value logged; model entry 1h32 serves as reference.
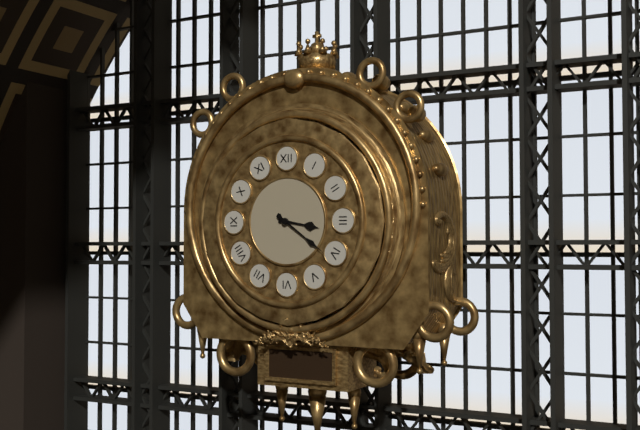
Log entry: 3h21
